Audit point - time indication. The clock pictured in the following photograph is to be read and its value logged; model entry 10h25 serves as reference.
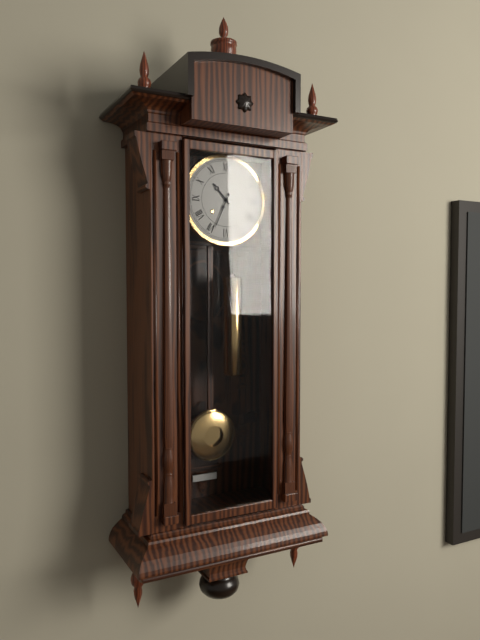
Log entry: 10h34
